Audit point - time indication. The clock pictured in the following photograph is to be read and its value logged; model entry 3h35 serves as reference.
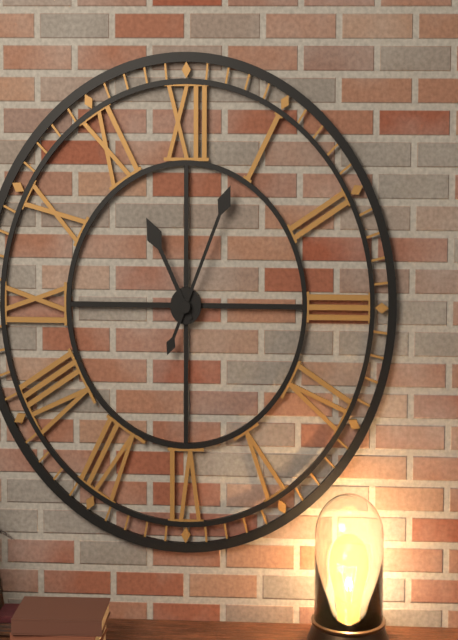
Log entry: 11h04
